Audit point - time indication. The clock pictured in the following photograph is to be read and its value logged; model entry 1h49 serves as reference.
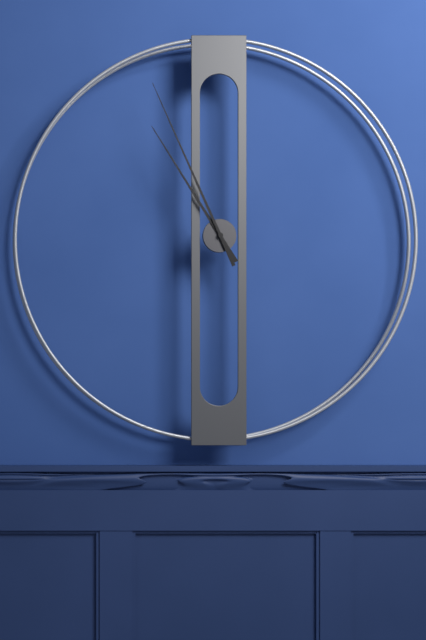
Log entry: 10h56
